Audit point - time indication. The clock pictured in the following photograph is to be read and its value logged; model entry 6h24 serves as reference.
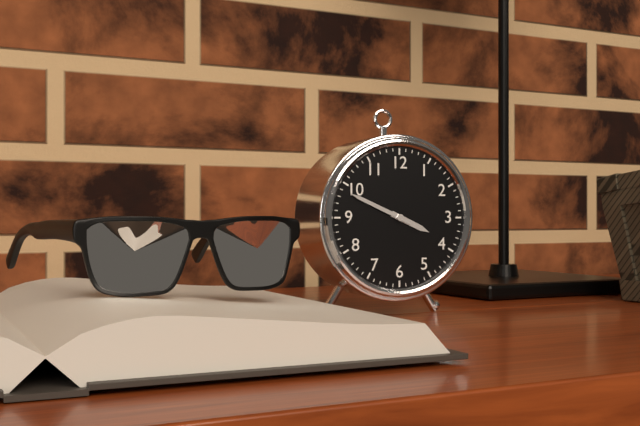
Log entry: 3h49
